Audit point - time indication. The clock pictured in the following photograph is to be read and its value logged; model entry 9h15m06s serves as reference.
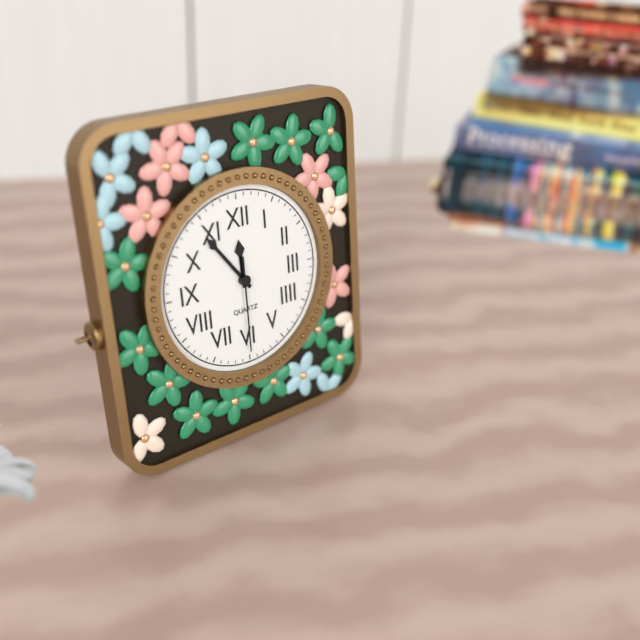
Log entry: 11h54m30s
